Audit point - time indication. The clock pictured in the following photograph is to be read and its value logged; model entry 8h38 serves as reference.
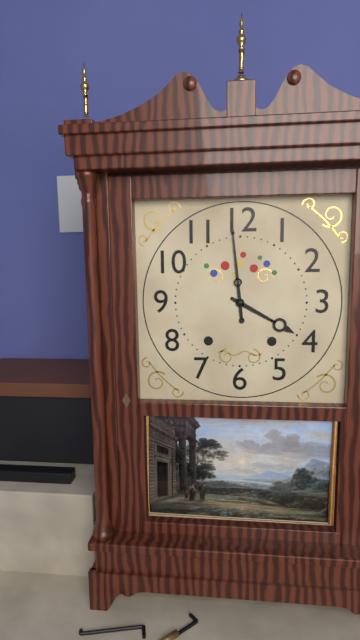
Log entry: 3h59
